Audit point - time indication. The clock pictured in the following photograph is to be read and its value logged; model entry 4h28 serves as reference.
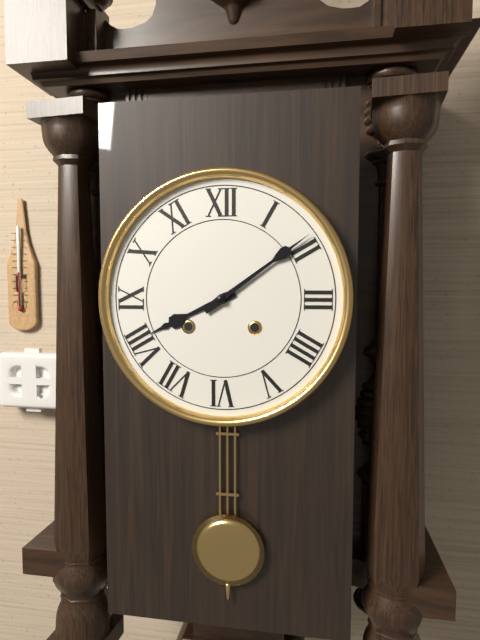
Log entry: 8h09
